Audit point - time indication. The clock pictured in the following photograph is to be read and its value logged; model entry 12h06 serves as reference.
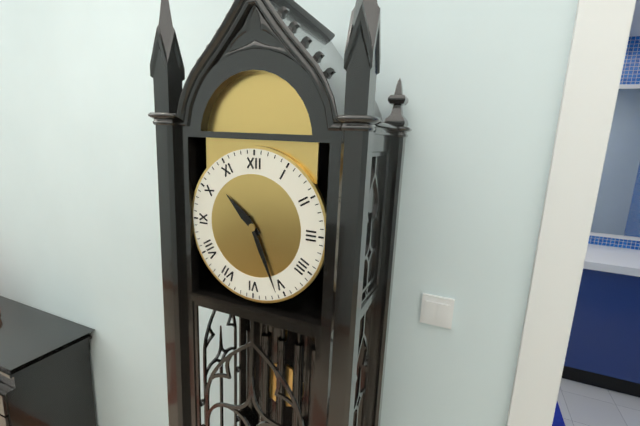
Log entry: 10h26
